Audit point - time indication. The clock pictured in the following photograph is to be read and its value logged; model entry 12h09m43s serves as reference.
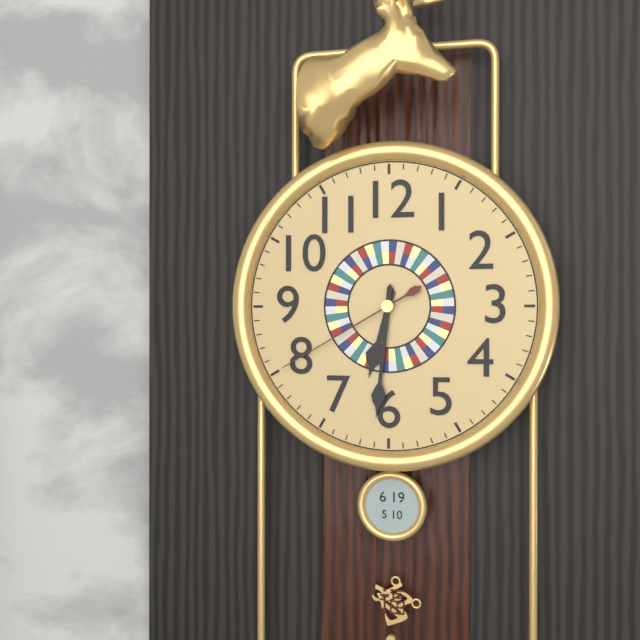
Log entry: 6h31m40s
